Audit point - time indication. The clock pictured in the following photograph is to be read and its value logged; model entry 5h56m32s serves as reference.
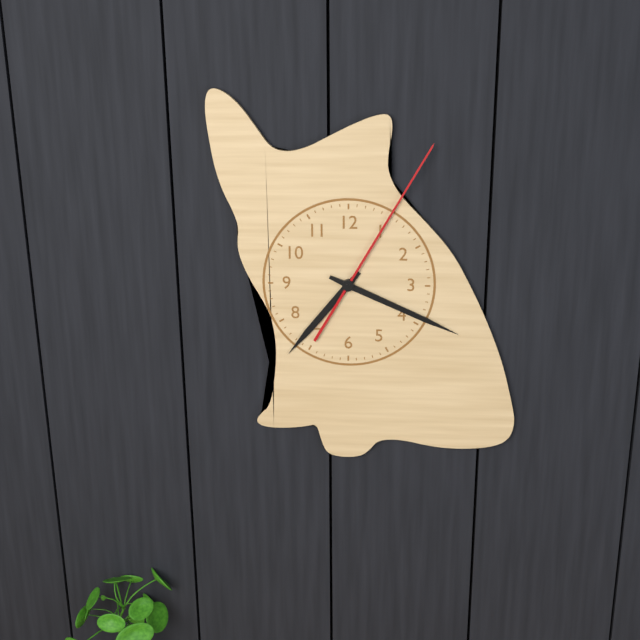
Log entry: 7h19m05s
